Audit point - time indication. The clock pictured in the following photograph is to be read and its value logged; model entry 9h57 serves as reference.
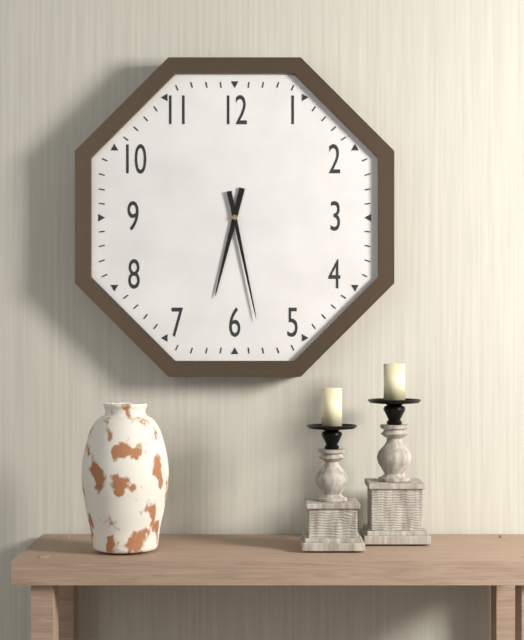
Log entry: 6h28
